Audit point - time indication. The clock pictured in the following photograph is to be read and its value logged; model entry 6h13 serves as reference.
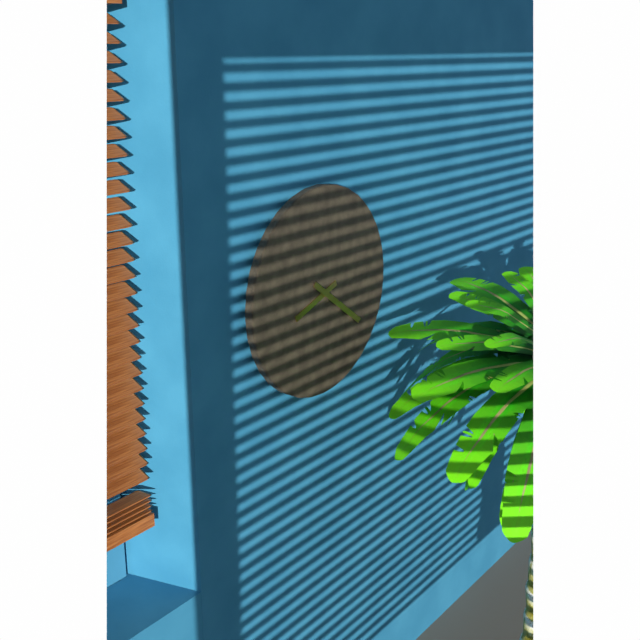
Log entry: 8h21
